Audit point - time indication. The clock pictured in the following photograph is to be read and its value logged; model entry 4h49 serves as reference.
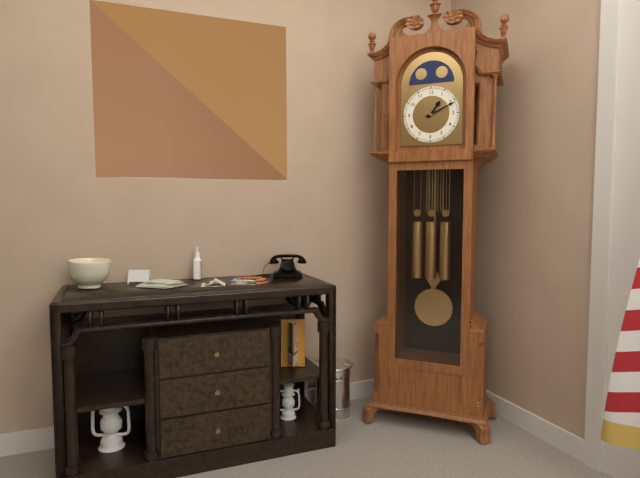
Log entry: 1h11
